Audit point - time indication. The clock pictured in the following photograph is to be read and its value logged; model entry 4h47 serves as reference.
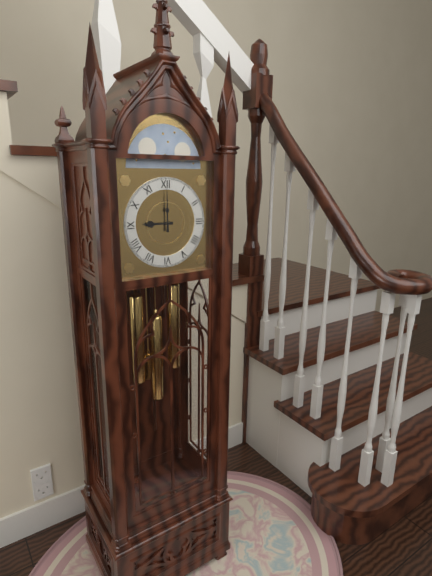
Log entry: 9h00
